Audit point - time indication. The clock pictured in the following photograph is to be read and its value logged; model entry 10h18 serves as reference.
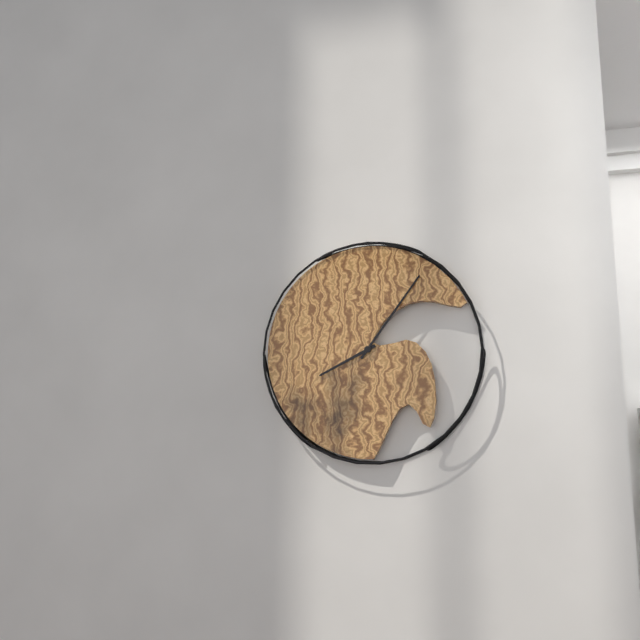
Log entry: 8h06
